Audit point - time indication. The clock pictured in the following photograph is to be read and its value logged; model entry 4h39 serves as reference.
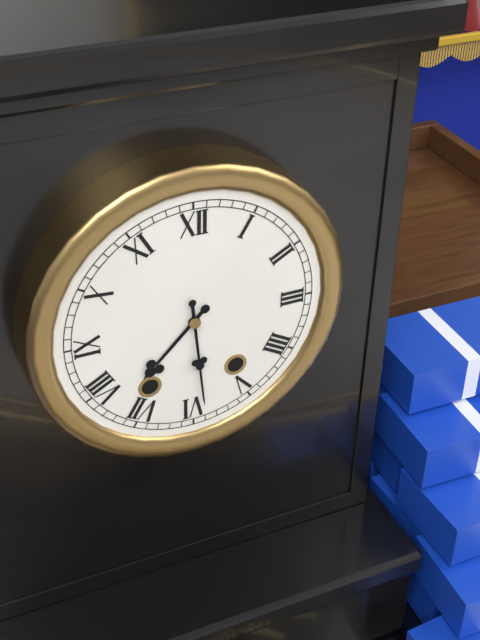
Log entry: 7h29
